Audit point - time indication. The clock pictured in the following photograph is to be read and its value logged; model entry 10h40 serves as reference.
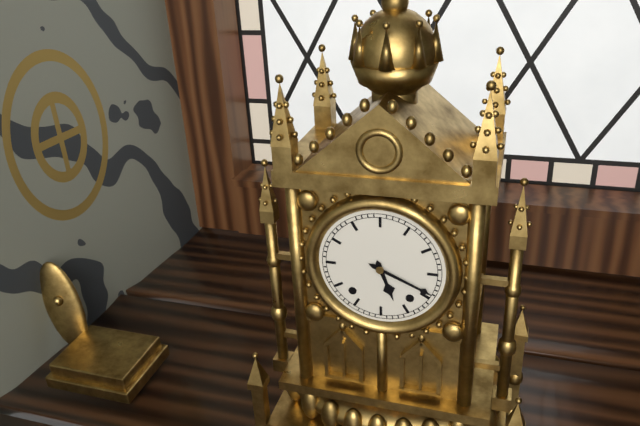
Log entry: 5h19
